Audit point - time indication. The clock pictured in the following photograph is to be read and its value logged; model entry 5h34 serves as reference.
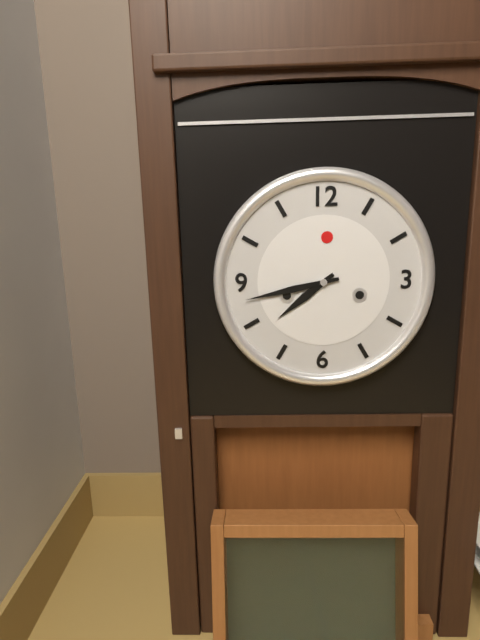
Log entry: 7h43
